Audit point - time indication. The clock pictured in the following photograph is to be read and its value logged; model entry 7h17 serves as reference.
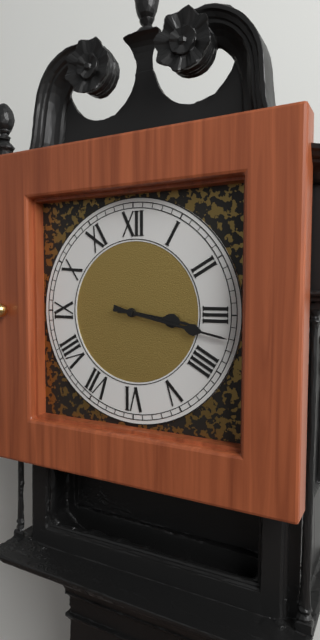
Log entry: 3h17
